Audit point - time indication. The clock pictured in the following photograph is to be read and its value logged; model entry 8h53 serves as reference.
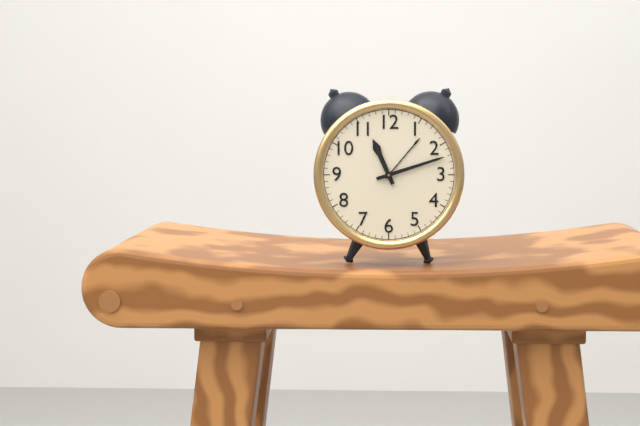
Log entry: 11h12
